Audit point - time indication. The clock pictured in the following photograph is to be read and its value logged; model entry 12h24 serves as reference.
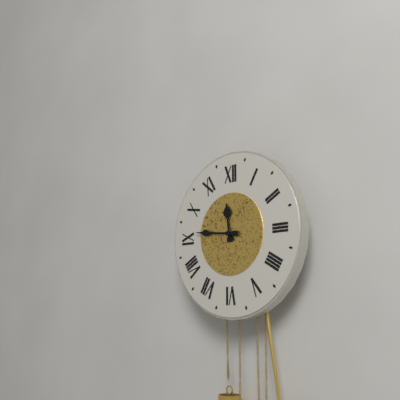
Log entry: 11h46
